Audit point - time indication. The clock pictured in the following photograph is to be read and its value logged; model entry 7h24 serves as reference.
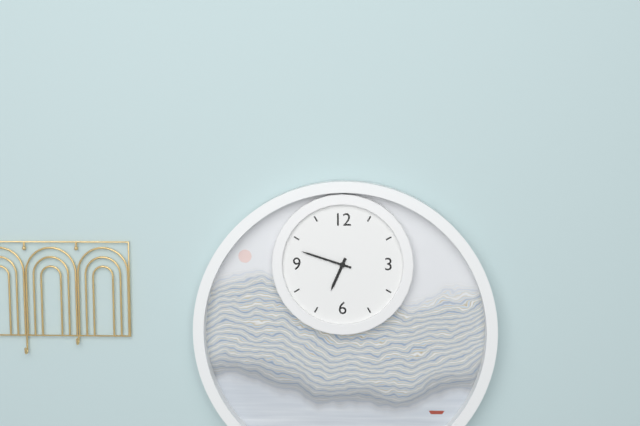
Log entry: 6h48
